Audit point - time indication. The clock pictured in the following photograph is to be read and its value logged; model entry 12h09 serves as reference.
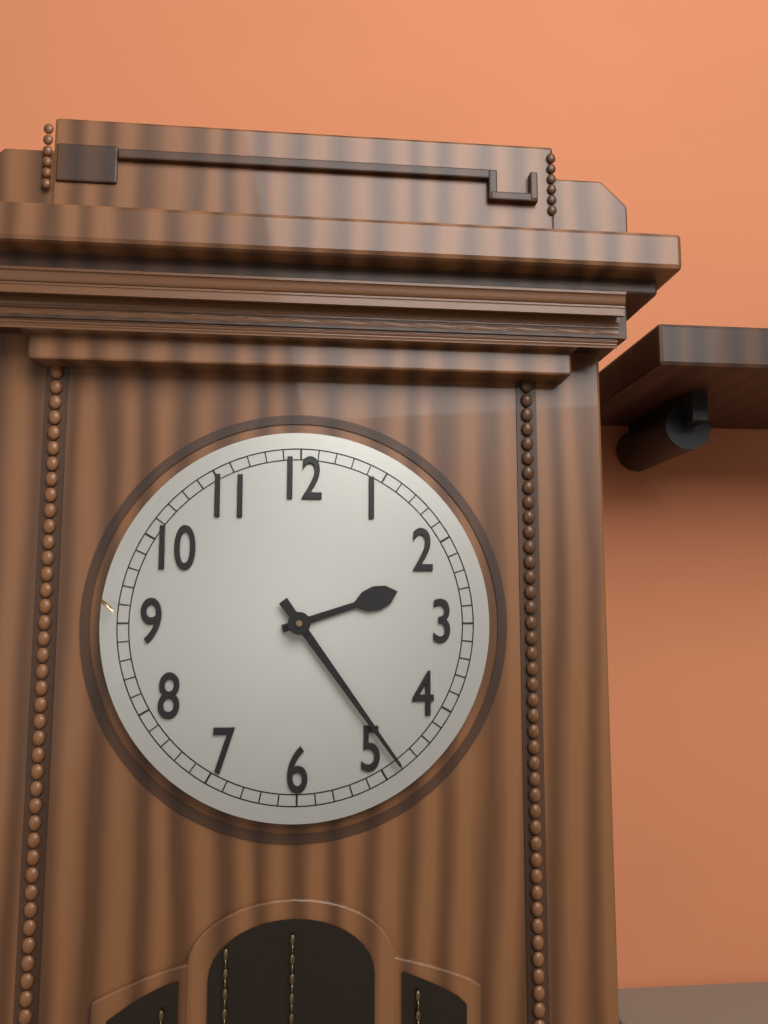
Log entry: 2h24
